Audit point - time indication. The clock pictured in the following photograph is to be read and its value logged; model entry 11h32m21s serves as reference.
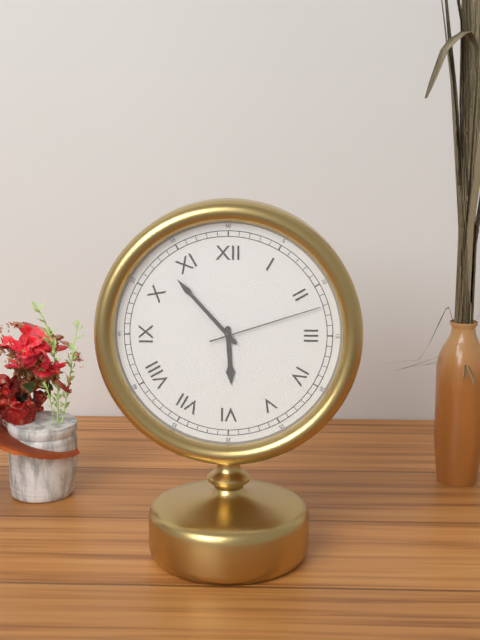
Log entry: 5h53m12s
